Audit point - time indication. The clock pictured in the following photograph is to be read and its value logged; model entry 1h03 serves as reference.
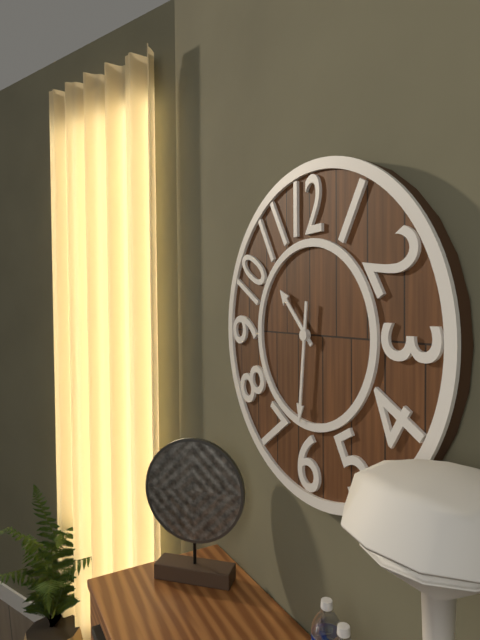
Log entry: 10h31
